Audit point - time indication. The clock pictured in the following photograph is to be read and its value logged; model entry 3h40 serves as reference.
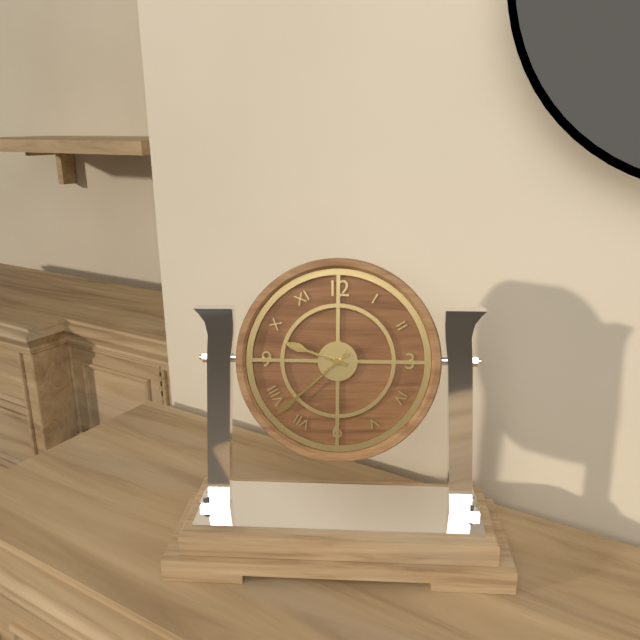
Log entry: 9h38
